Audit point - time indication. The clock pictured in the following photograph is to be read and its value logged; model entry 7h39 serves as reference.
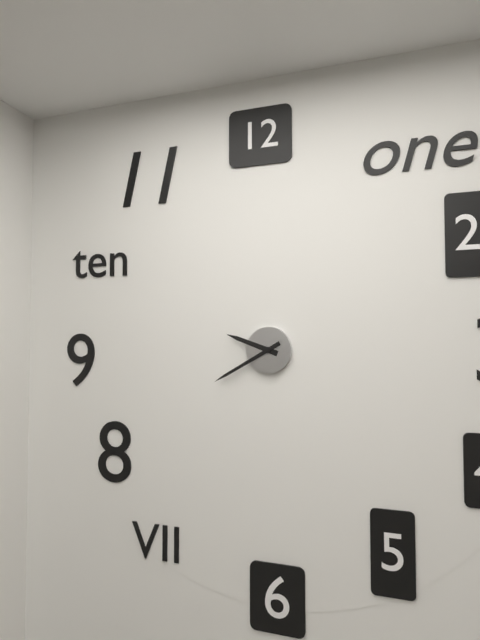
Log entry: 9h40
